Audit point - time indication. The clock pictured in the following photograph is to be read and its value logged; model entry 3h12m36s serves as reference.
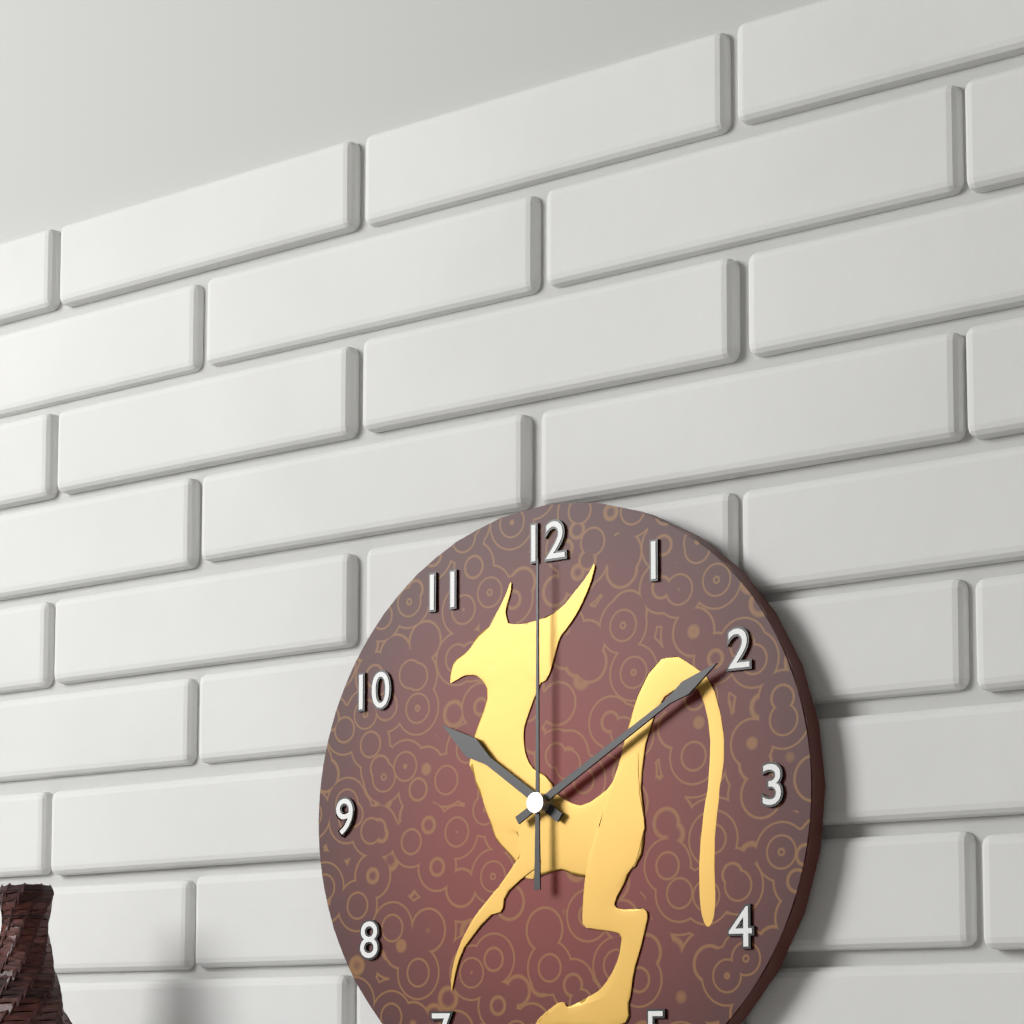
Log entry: 10h10m00s
